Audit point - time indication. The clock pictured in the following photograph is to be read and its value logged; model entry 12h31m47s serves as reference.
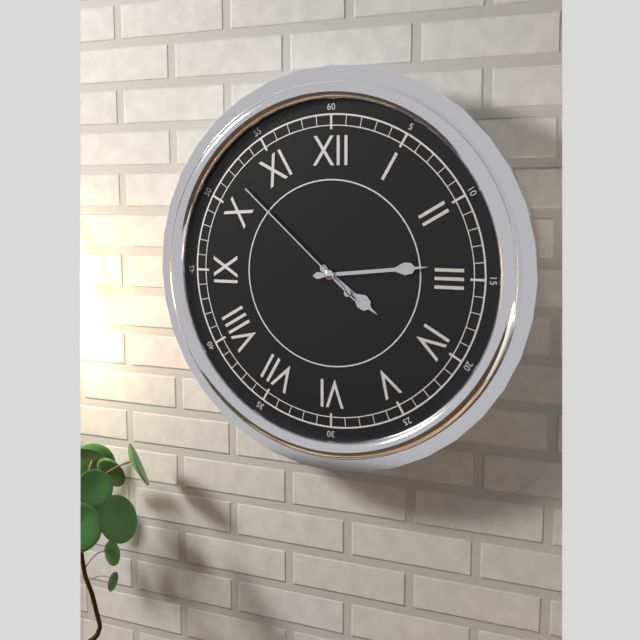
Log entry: 4h14m52s
